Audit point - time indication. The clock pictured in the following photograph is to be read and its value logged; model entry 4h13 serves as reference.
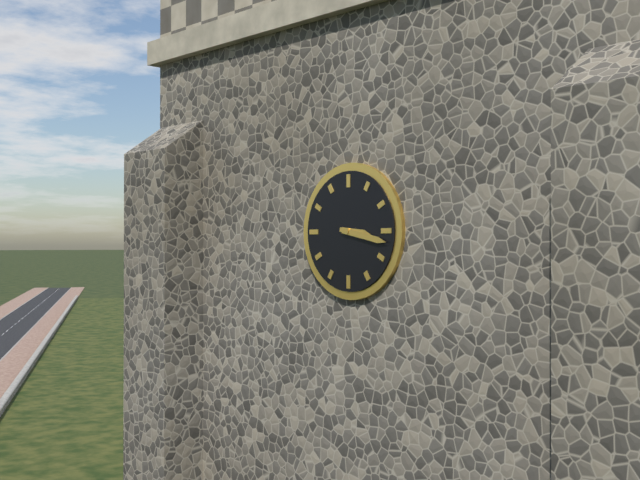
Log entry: 3h17
